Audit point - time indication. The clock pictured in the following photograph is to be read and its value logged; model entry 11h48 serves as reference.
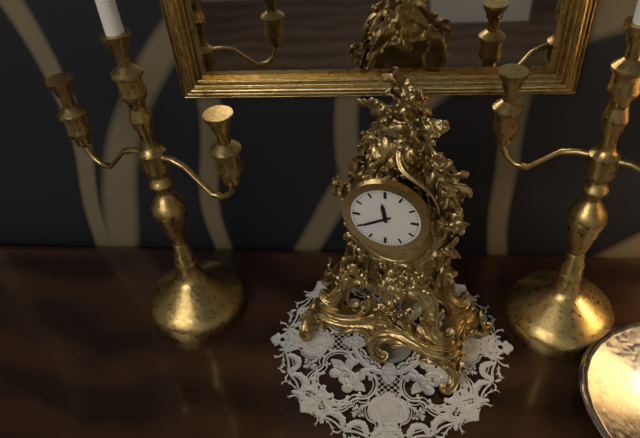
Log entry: 11h40
